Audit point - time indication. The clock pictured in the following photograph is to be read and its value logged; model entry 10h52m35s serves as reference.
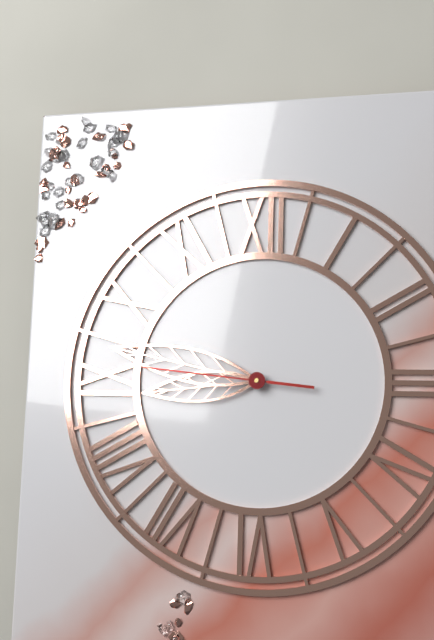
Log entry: 8h47m46s
